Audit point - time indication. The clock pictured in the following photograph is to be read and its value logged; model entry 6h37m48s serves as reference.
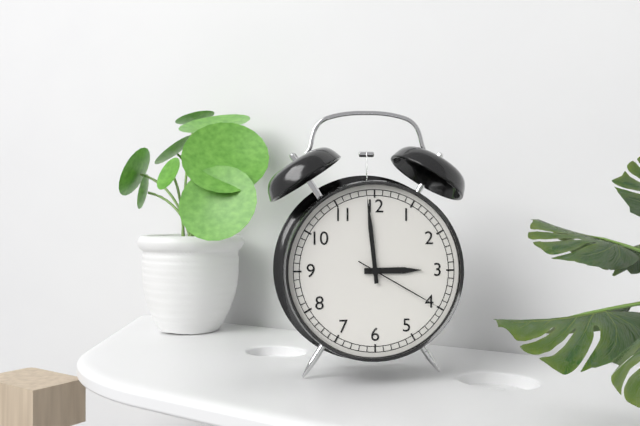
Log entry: 2h59m20s
